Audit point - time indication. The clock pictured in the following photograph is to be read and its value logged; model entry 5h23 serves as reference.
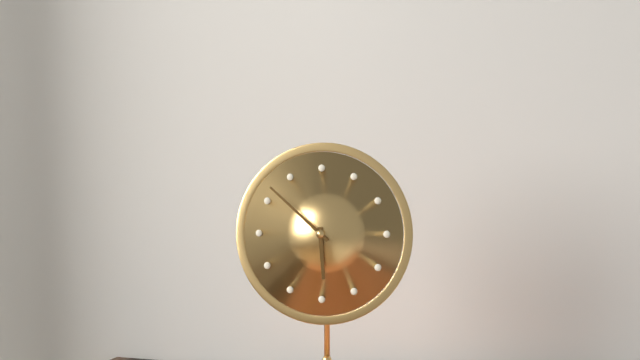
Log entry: 5h52
